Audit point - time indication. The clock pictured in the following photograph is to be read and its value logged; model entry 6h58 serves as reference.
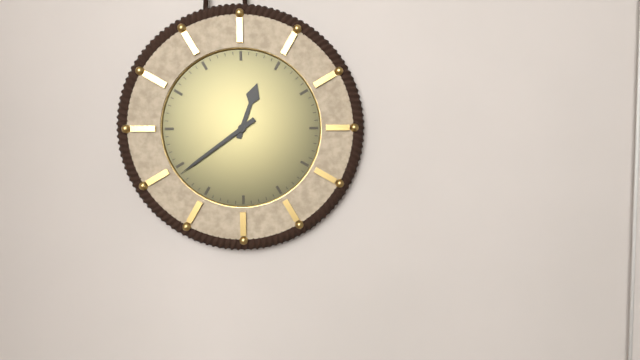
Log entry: 12h39
